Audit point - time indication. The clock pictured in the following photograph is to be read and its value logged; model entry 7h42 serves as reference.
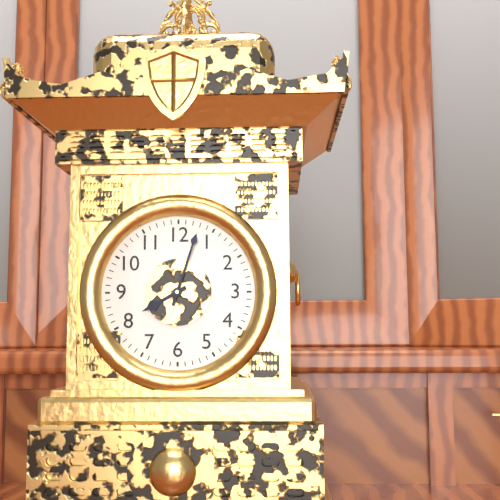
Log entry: 8h03
